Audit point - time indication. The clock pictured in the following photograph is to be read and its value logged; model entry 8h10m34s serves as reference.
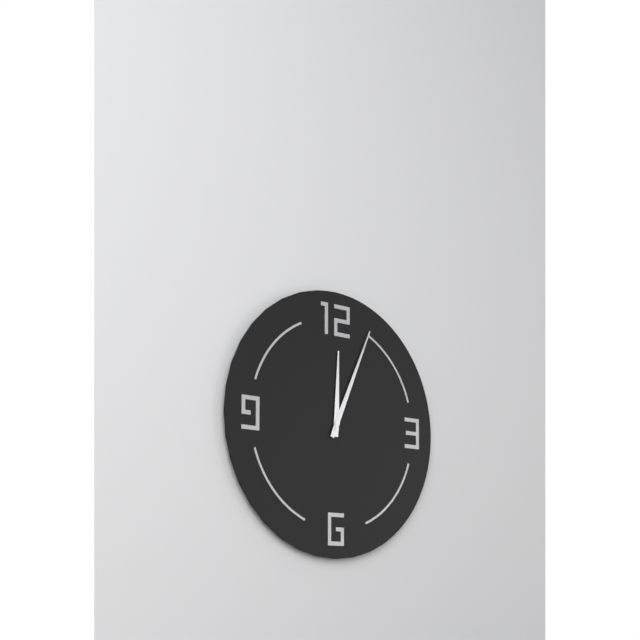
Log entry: 12h04m04s
